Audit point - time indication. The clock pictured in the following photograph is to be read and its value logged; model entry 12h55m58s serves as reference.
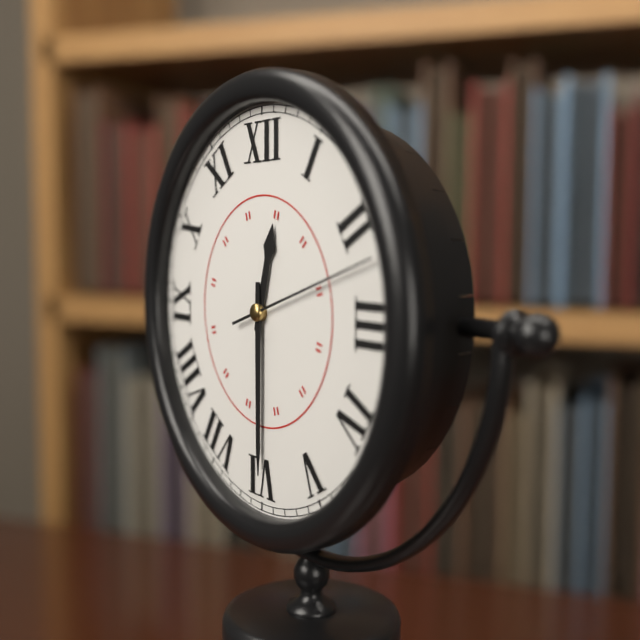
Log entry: 12h30m12s
